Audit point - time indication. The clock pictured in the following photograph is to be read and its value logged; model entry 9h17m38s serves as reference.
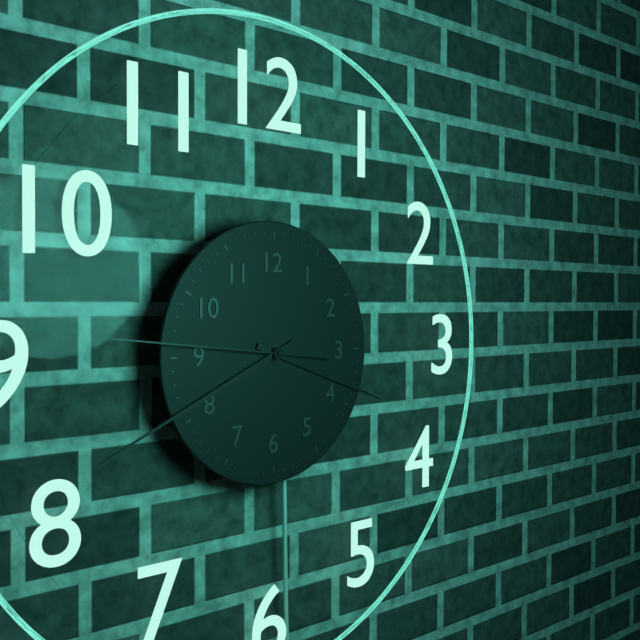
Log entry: 3h41m46s
